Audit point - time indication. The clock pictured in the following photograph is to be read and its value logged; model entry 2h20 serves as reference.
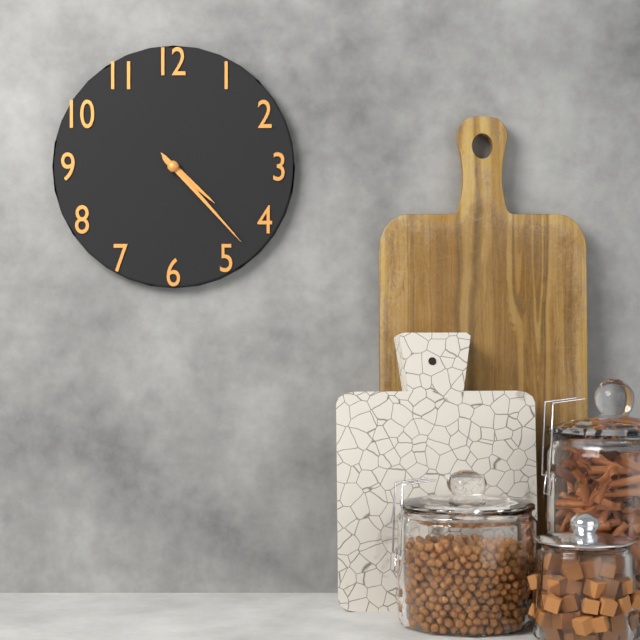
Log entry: 4h23
